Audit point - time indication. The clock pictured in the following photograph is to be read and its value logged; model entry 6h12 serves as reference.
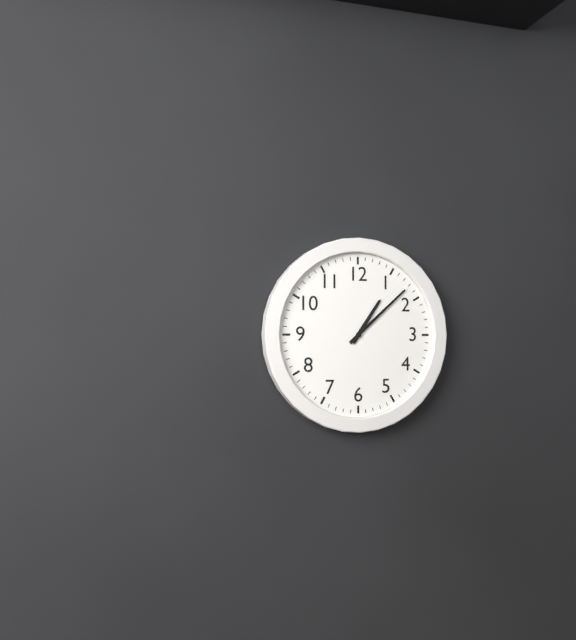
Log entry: 1h08
